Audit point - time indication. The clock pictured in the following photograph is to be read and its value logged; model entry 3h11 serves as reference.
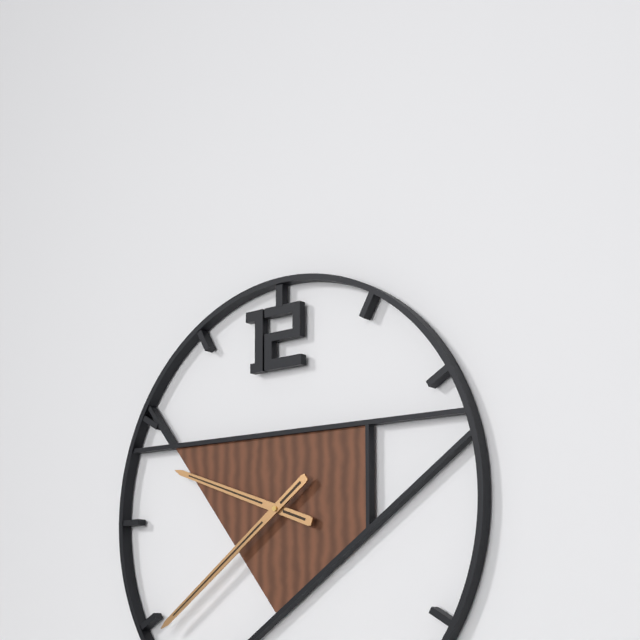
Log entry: 9h39
